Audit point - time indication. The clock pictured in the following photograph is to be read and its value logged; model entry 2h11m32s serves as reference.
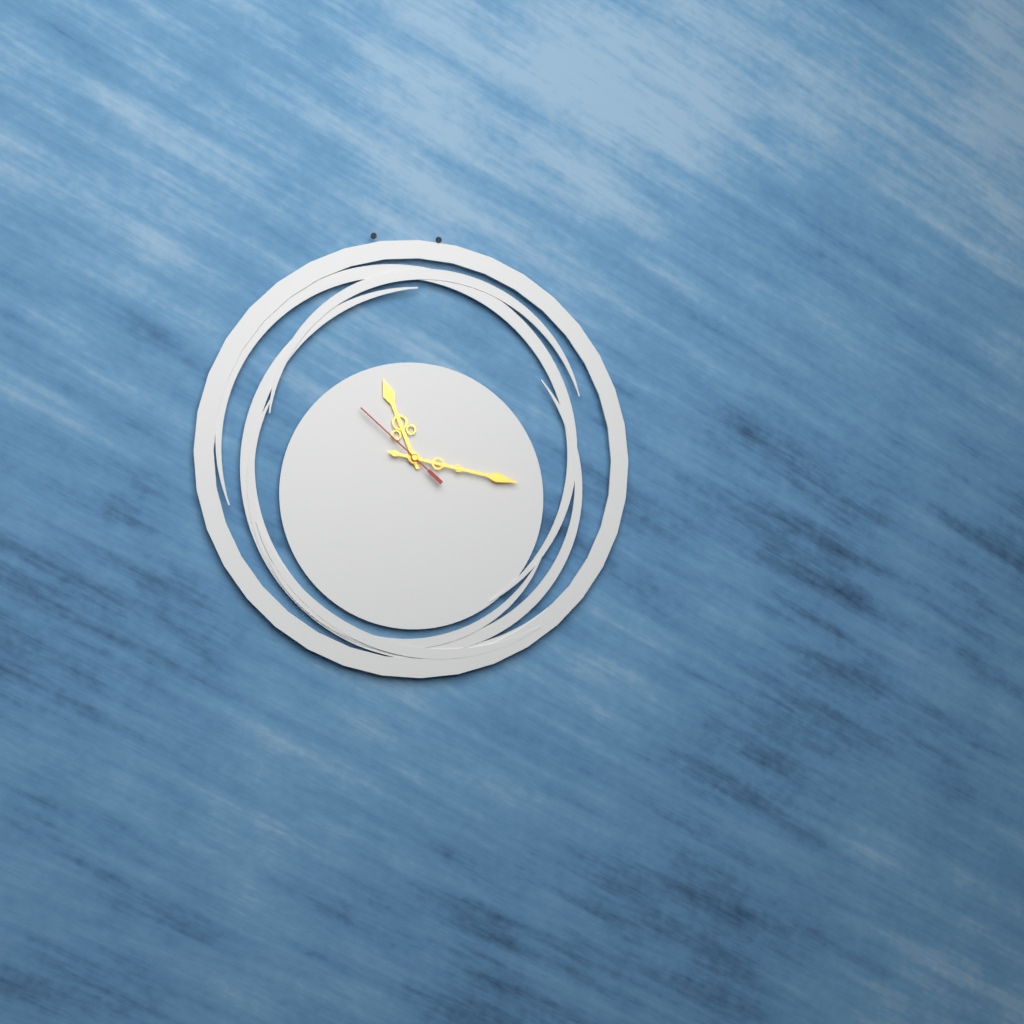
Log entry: 11h17m52s
